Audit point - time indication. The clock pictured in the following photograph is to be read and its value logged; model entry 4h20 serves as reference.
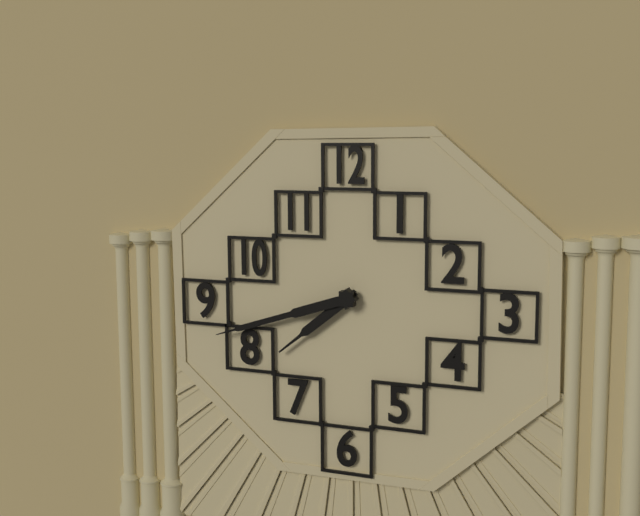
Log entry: 7h42
